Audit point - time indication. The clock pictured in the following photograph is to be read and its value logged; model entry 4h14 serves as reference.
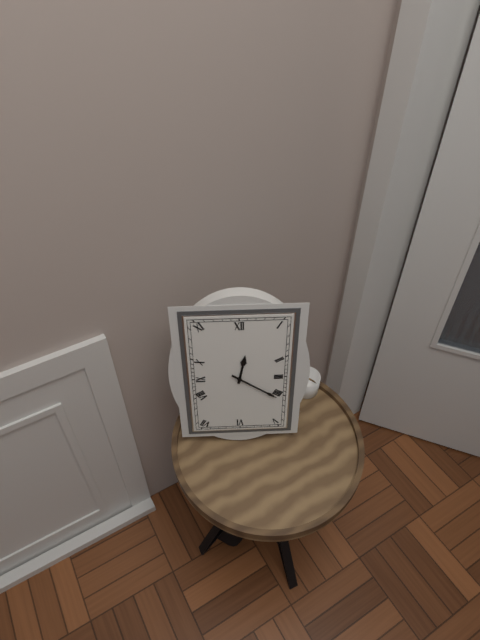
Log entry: 12h21
